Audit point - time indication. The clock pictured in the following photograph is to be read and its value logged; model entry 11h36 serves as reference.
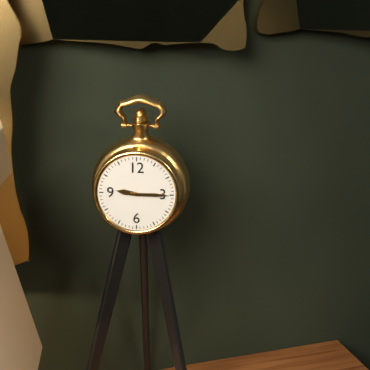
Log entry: 9h15
